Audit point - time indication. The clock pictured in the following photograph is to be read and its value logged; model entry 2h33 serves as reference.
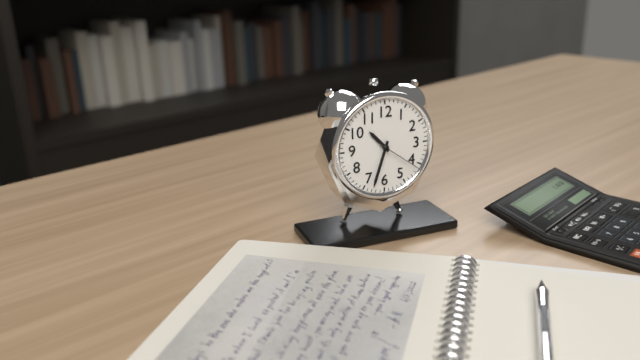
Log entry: 10h33
